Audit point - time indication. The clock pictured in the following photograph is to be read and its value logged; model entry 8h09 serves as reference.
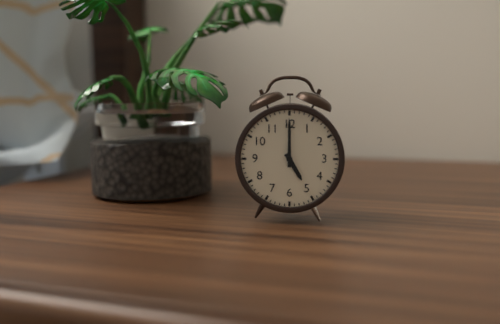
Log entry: 5h00
